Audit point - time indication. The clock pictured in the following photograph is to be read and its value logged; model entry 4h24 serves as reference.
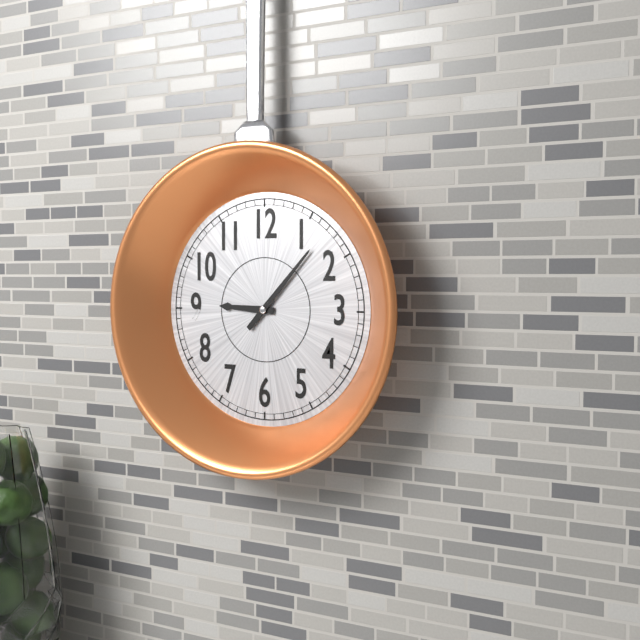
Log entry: 9h07
